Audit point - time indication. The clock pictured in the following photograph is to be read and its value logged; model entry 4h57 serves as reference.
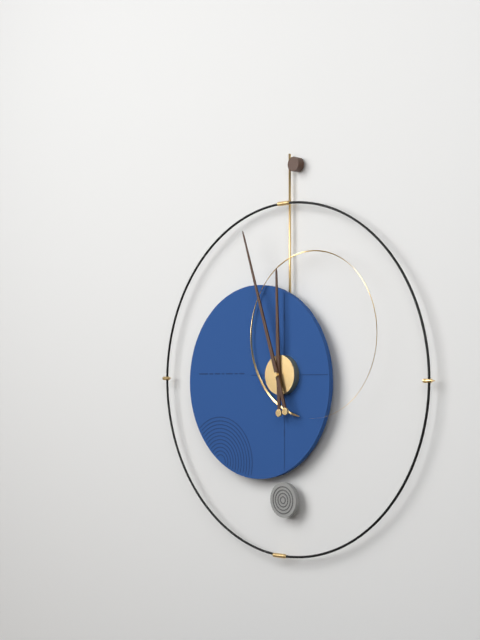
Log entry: 11h57
